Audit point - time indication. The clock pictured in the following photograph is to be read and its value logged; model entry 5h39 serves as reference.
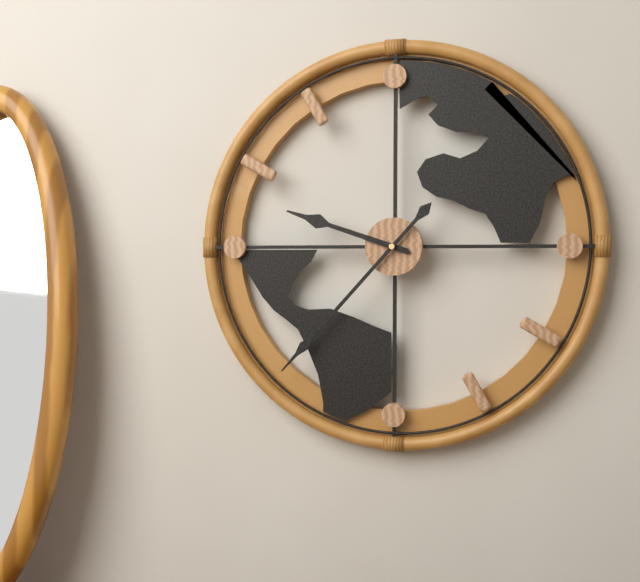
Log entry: 9h37
